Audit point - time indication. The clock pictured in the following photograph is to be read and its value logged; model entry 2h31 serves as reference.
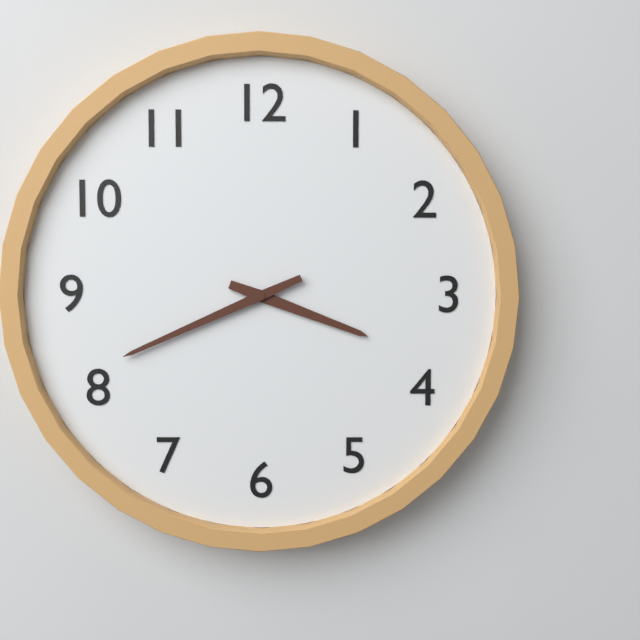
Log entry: 3h41
